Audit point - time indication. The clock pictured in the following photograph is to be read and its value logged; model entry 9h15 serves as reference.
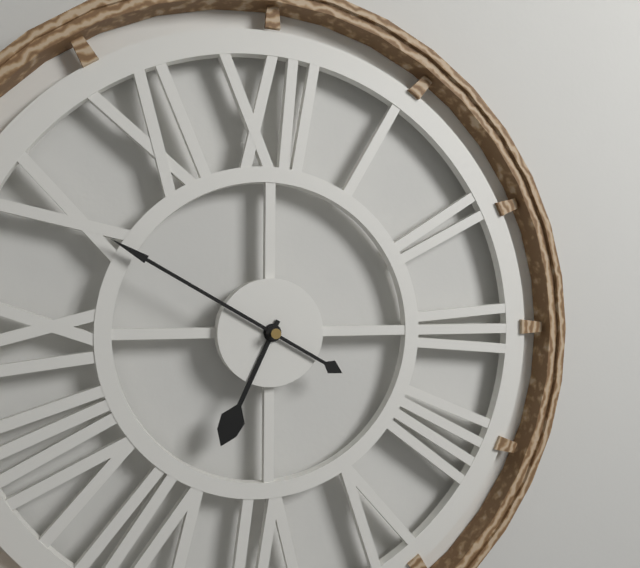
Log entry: 6h50
